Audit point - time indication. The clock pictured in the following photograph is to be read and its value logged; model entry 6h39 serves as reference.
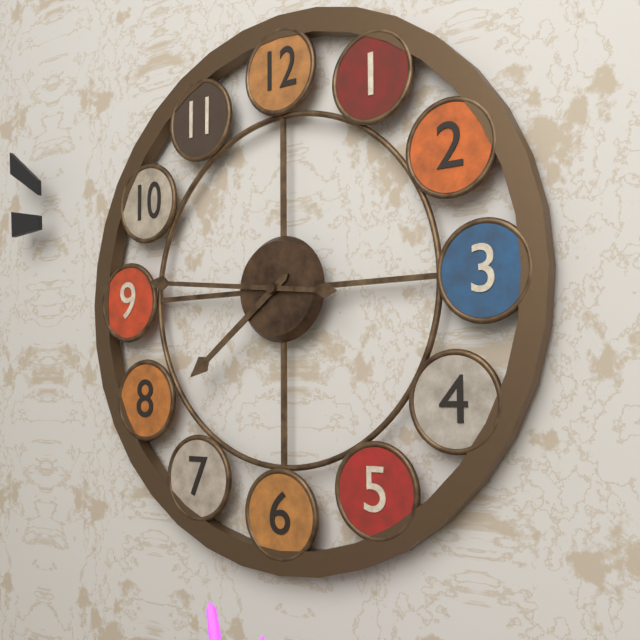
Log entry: 7h46
